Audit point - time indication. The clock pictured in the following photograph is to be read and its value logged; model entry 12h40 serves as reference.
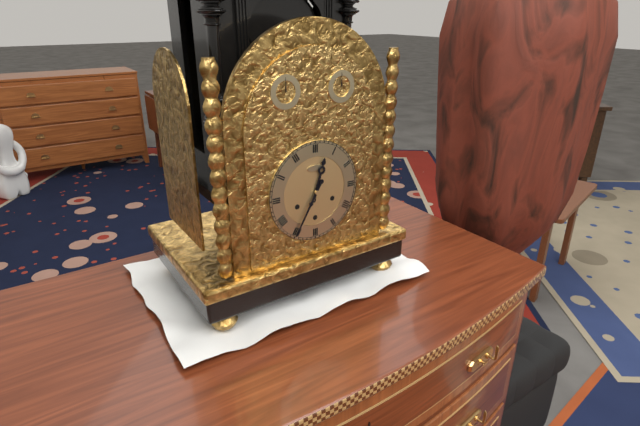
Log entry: 12h35
